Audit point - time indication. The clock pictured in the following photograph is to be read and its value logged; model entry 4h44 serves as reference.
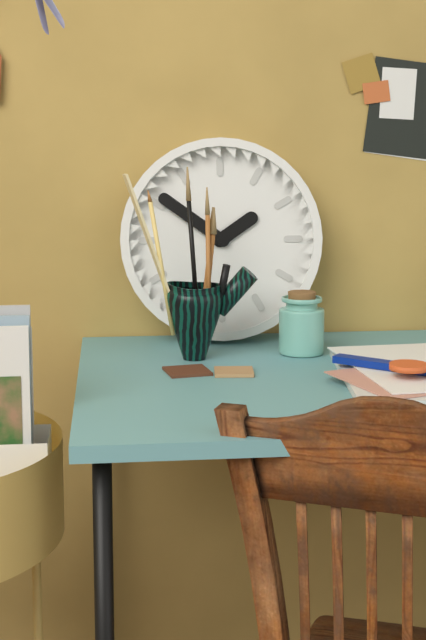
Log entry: 1h51
